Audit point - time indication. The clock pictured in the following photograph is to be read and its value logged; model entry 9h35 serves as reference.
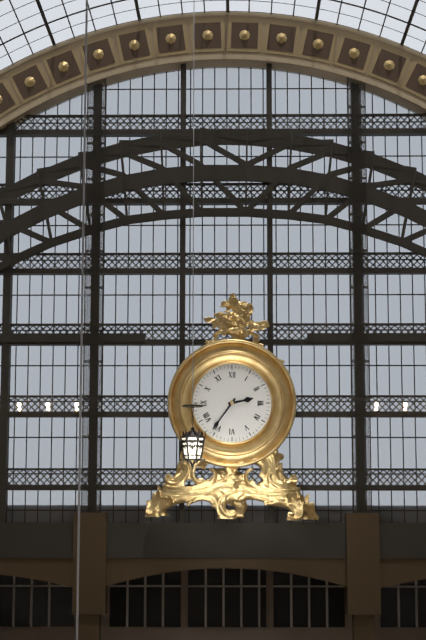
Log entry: 2h36
